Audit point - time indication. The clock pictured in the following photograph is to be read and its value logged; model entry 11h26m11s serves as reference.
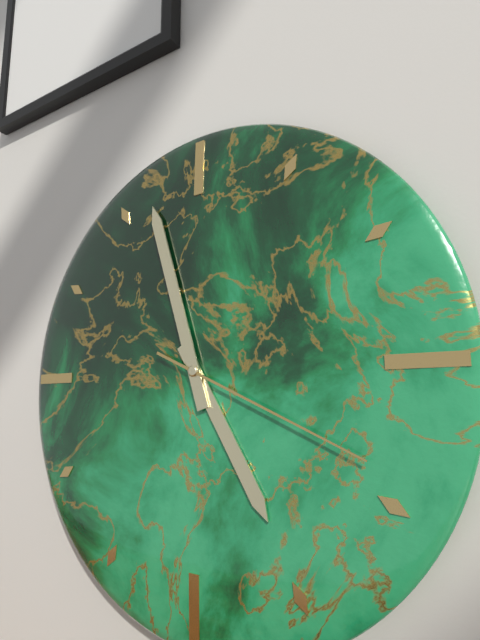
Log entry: 4h57m19s
